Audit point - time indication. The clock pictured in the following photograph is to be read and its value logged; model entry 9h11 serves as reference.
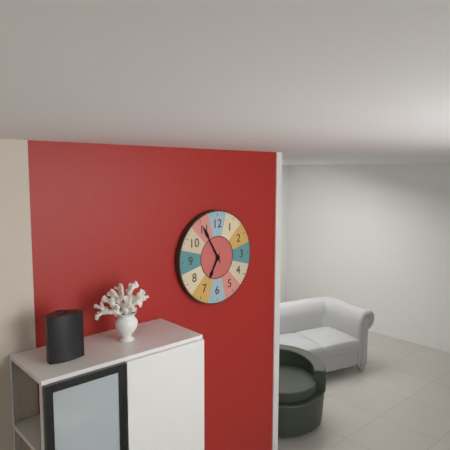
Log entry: 6h55
